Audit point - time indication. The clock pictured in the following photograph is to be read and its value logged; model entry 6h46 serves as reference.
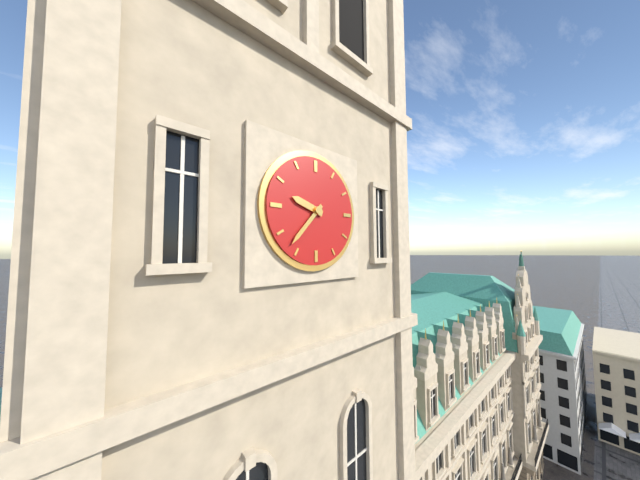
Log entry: 9h37
